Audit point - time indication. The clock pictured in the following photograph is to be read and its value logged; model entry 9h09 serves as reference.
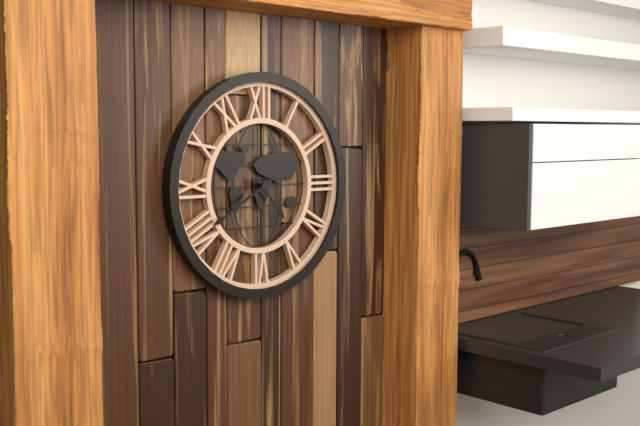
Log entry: 4h40
